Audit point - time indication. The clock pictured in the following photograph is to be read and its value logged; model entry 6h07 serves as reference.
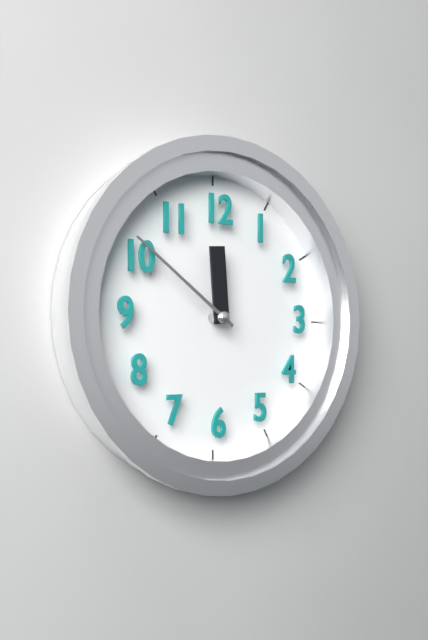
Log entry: 11h51
